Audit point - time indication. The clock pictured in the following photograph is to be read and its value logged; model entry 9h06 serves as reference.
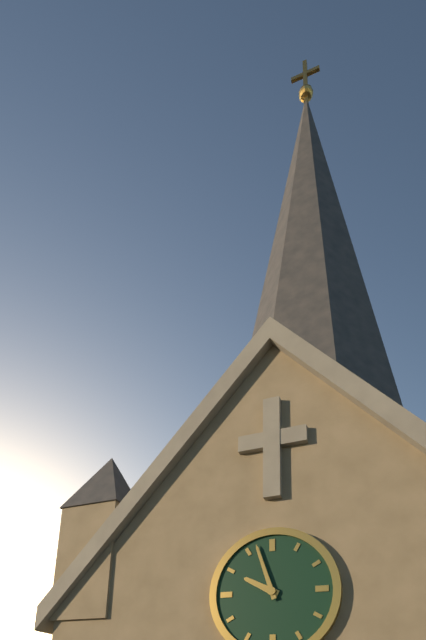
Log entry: 9h57
